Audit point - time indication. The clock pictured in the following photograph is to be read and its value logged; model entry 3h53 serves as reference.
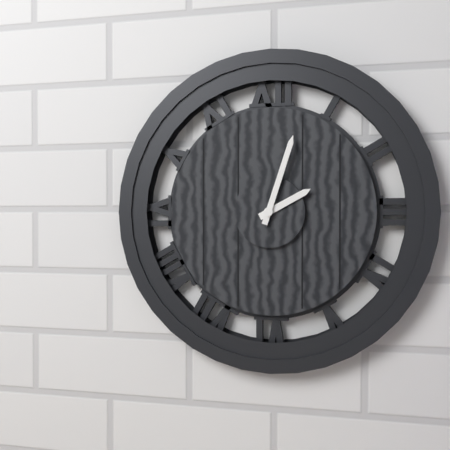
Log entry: 2h03
